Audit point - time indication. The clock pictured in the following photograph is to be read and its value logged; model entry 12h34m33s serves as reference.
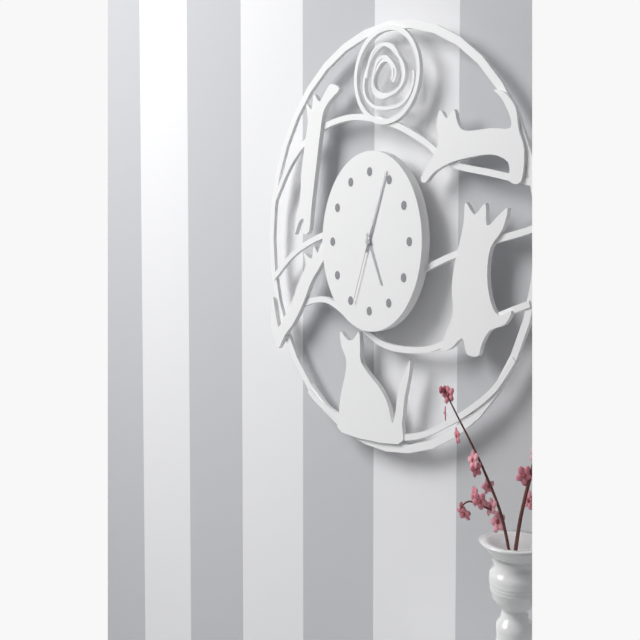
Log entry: 5h04m34s
